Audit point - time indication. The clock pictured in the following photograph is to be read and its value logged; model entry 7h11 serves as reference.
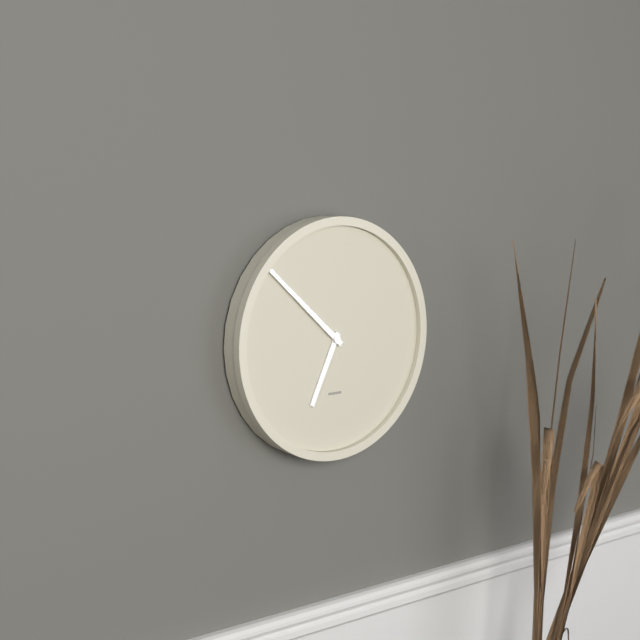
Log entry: 6h52
